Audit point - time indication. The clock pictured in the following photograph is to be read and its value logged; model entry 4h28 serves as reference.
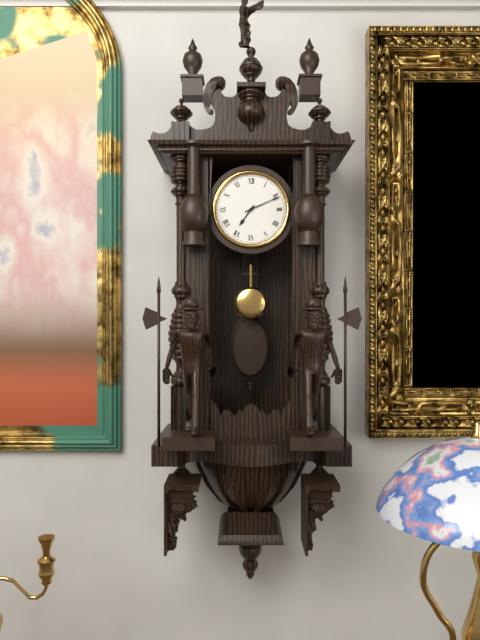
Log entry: 7h11
